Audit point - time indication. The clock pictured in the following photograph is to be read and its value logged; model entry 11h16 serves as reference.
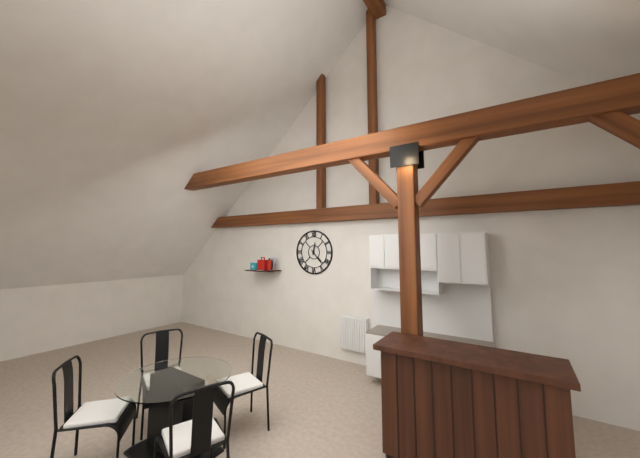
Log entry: 12h23
